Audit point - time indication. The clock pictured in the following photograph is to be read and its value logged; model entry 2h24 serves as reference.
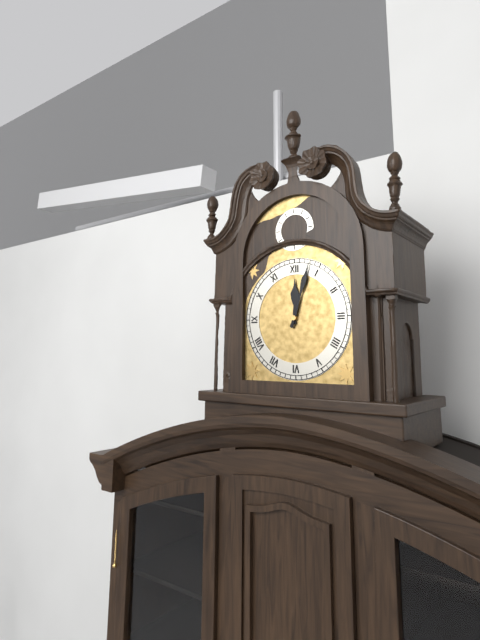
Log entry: 12h03
